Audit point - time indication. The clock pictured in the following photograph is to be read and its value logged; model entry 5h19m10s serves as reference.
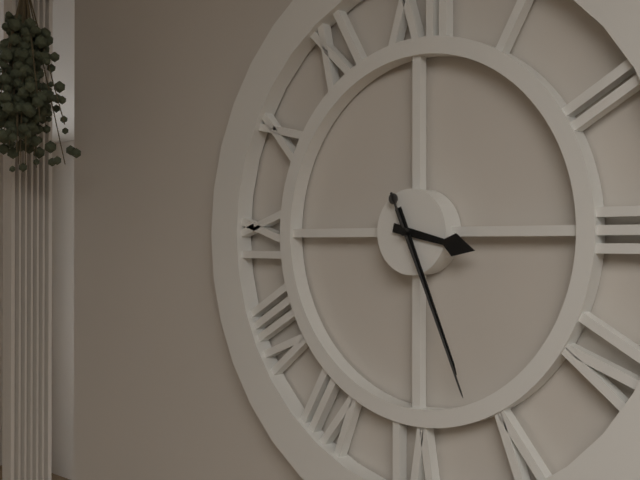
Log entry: 3h26m26s
